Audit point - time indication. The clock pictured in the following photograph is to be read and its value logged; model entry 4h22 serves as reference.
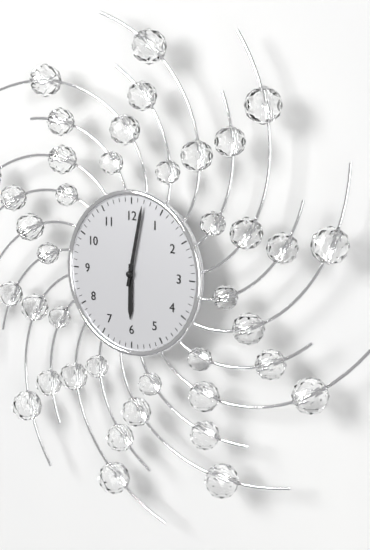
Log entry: 6h02
